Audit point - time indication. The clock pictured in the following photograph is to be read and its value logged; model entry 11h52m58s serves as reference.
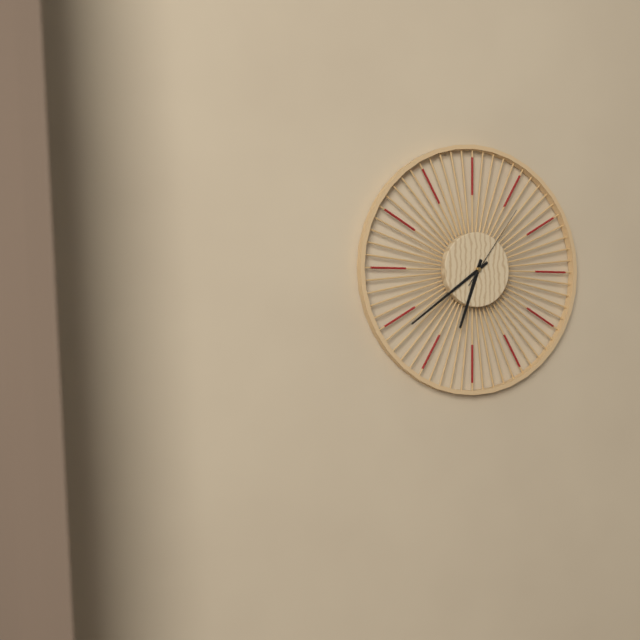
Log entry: 6h39m06s
